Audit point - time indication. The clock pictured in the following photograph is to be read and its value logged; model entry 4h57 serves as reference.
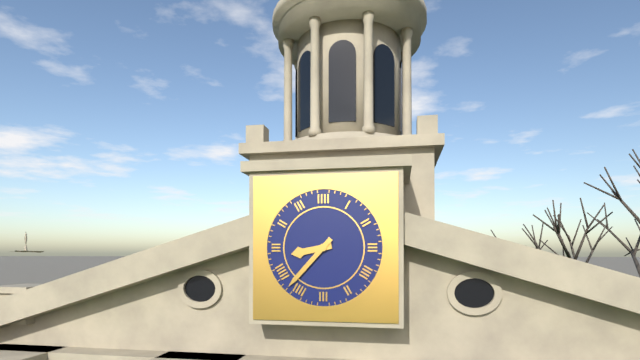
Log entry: 8h37
